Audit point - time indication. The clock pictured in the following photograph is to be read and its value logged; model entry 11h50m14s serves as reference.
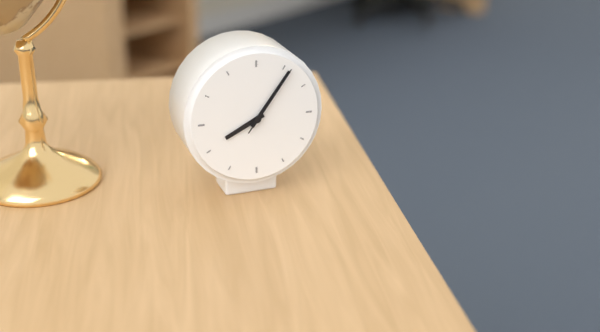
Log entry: 8h06m06s
